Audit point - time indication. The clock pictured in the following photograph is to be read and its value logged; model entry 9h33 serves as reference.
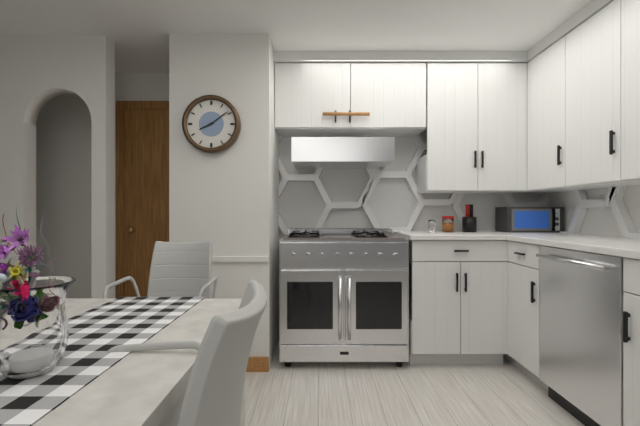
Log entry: 8h09
